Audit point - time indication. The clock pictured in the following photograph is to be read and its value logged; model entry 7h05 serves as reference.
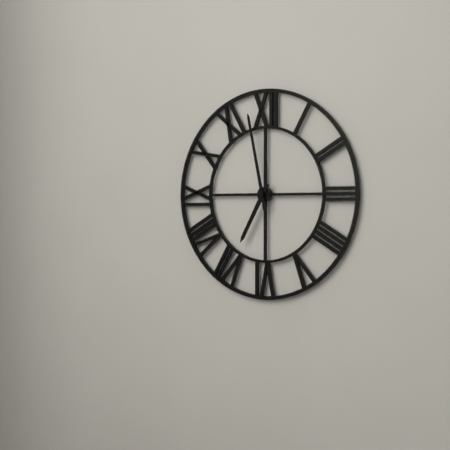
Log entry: 6h58
